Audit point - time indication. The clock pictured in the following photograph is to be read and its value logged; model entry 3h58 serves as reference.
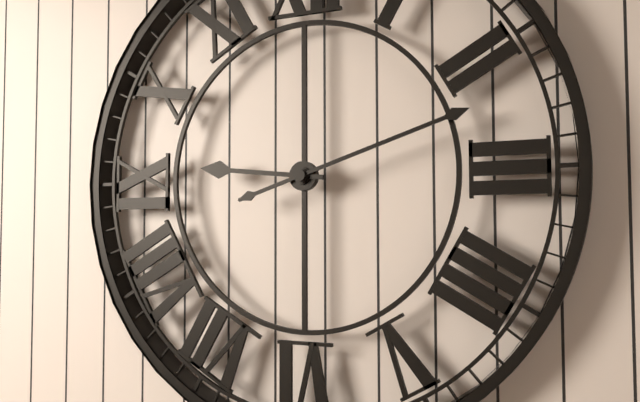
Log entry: 9h12
